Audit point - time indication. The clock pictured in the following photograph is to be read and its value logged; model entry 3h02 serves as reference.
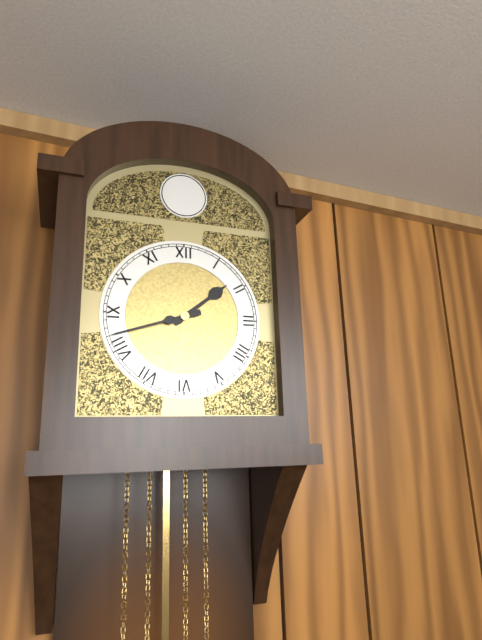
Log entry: 1h42
